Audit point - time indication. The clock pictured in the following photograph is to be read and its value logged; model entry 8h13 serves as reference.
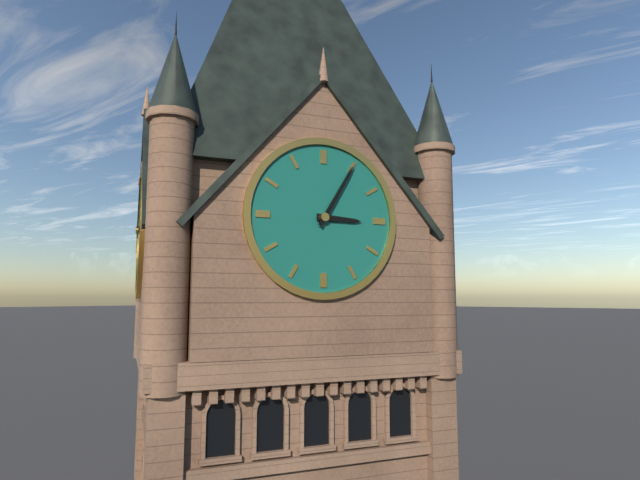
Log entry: 3h05
